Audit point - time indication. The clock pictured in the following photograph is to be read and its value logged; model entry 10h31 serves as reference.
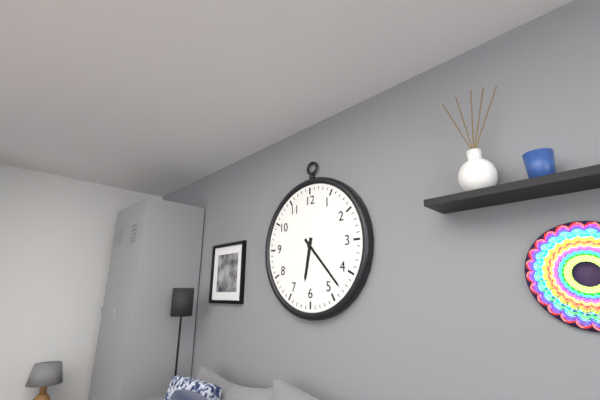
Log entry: 6h23
